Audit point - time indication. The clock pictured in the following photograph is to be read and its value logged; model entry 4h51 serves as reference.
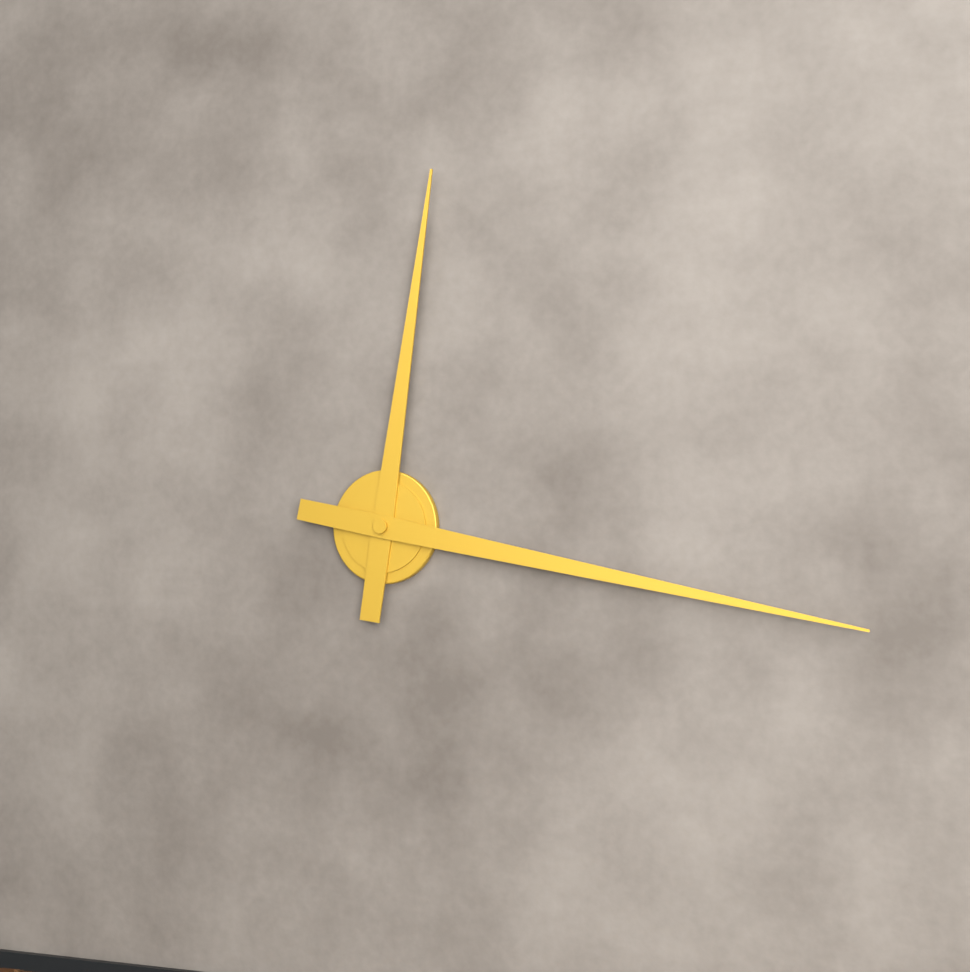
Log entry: 12h17
